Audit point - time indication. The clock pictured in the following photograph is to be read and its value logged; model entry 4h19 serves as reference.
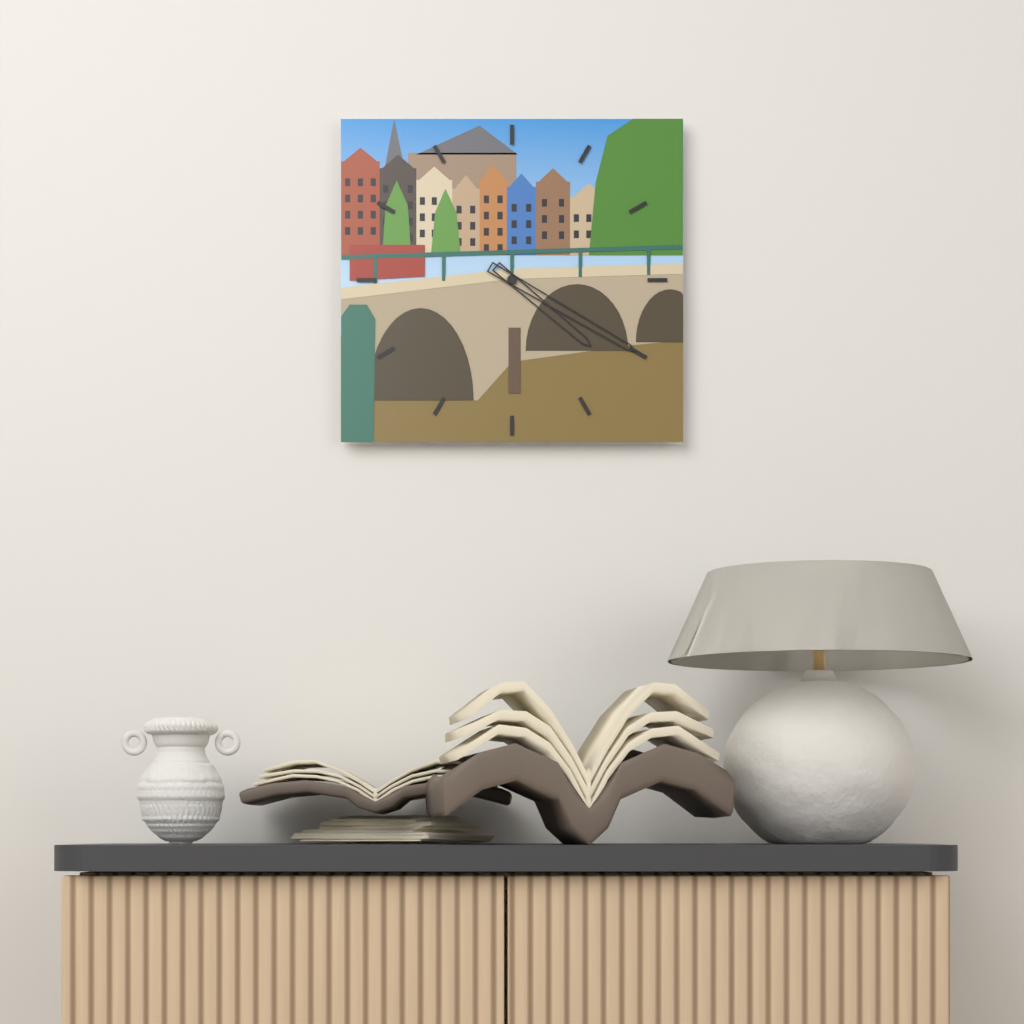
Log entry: 4h20
